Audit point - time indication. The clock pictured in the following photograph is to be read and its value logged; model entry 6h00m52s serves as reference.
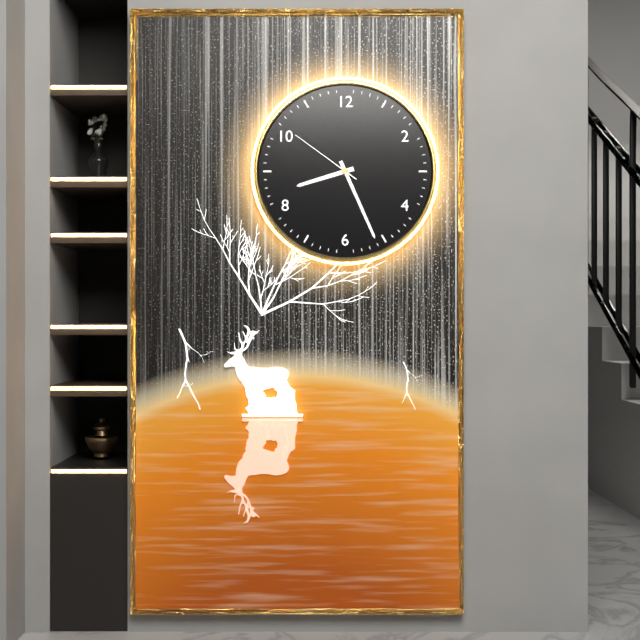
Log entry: 8h26m51s
